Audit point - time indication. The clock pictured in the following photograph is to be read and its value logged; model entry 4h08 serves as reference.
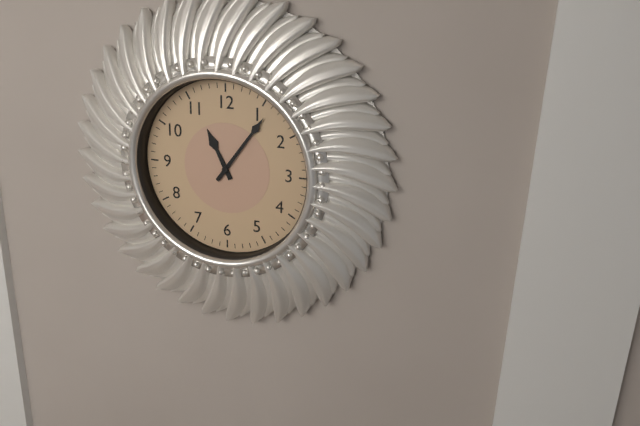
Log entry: 11h06
